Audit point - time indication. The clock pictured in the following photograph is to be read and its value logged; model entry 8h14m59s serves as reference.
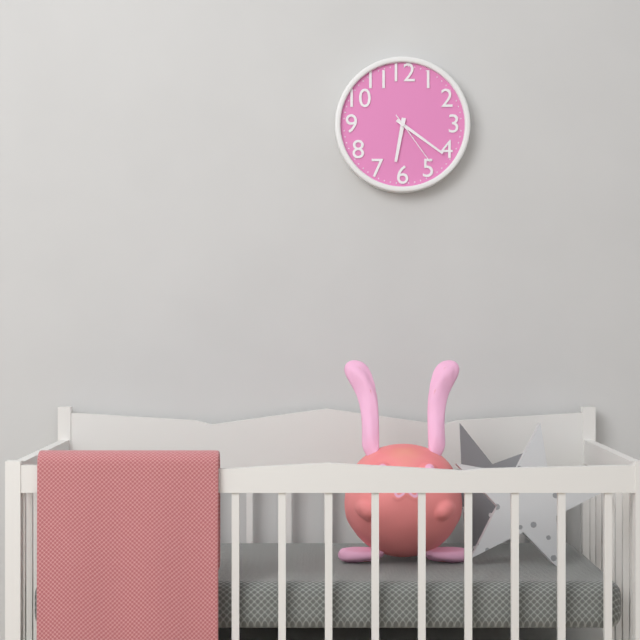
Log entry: 6h21m24s
